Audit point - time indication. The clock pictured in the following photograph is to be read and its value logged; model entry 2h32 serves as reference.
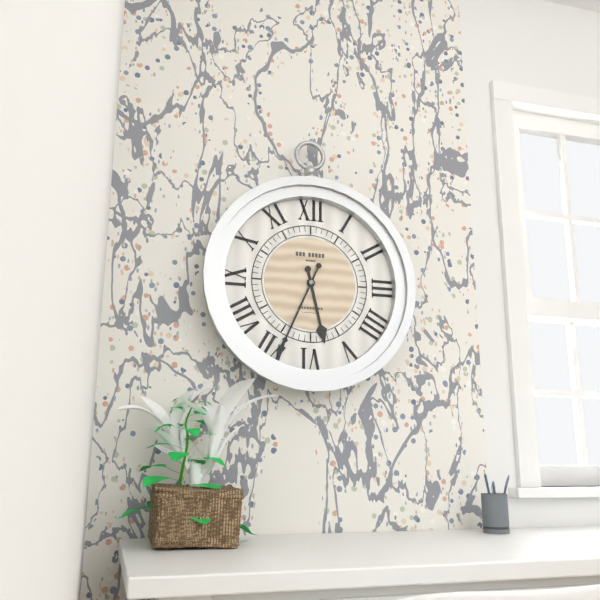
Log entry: 5h34
